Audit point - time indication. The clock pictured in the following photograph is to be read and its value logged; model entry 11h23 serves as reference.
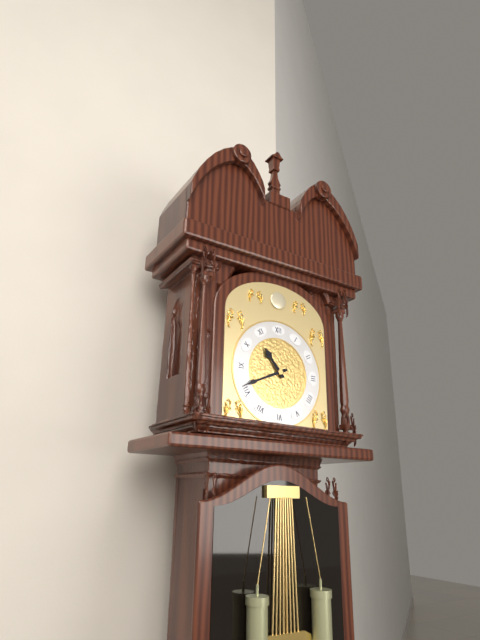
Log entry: 10h41
